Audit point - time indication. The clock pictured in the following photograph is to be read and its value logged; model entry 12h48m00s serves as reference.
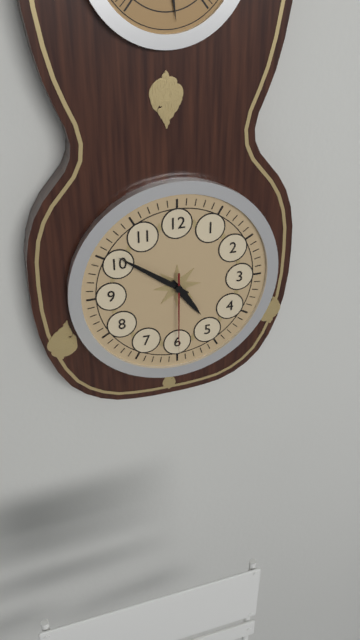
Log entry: 4h51m30s
